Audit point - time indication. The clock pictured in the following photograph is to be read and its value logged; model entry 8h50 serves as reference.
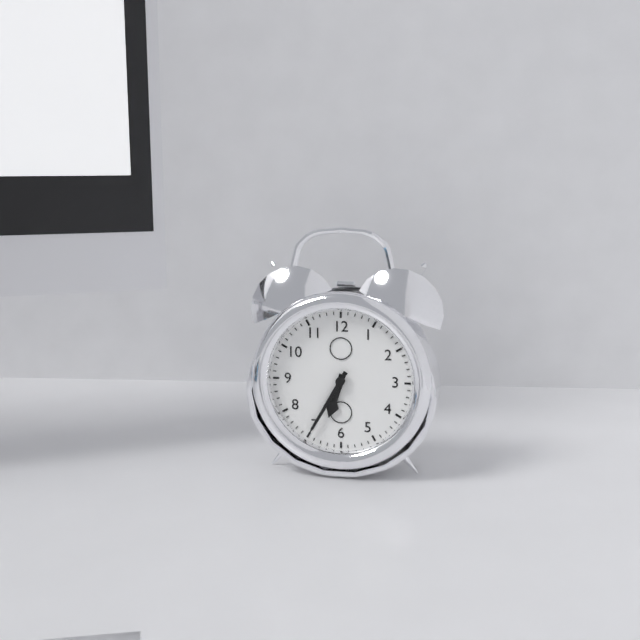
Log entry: 6h35
